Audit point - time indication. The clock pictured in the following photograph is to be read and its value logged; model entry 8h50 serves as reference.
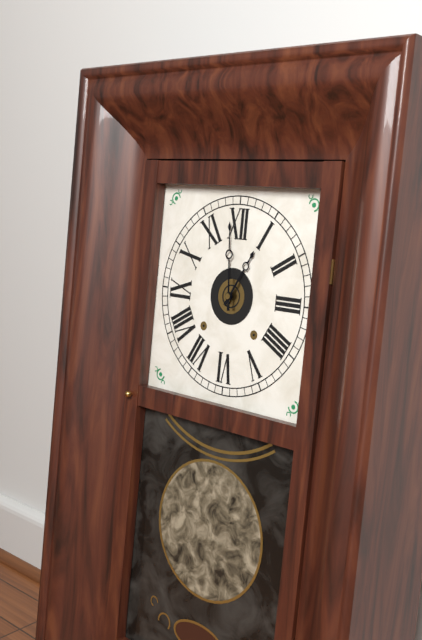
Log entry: 12h59
